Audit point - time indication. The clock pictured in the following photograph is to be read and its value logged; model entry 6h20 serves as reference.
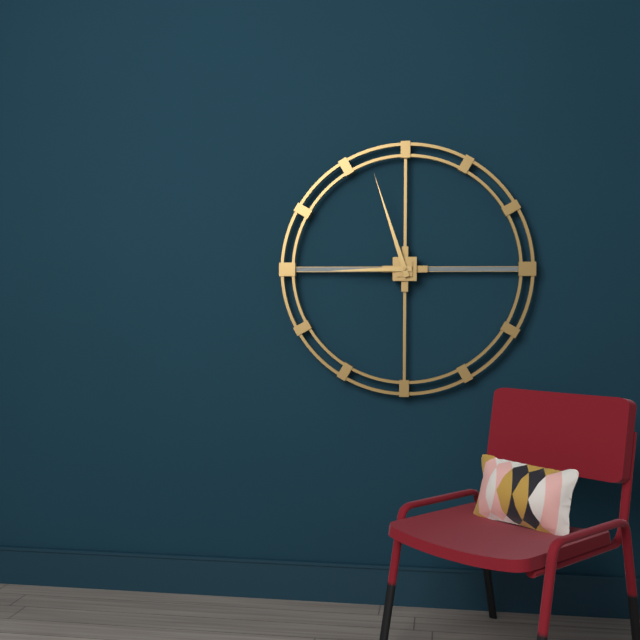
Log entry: 8h57
